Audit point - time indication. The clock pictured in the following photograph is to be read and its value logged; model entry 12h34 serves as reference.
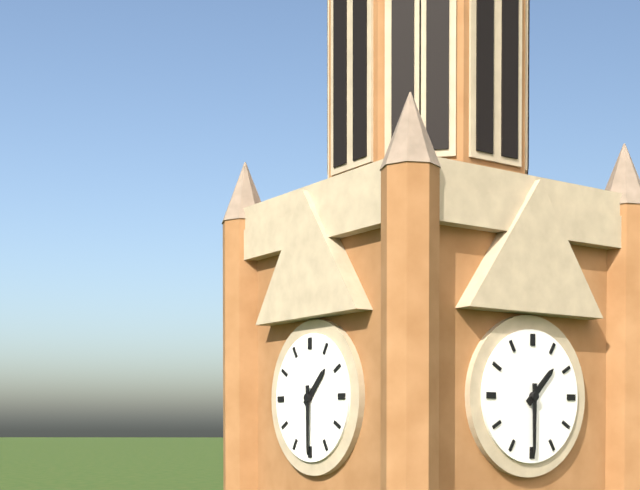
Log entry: 1h30
